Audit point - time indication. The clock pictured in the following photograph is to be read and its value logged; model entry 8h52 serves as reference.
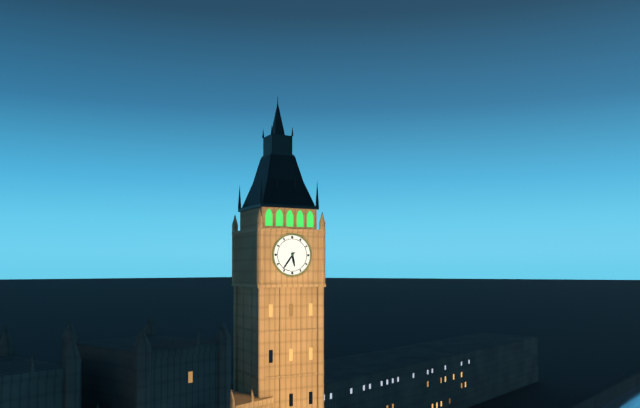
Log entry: 5h36
